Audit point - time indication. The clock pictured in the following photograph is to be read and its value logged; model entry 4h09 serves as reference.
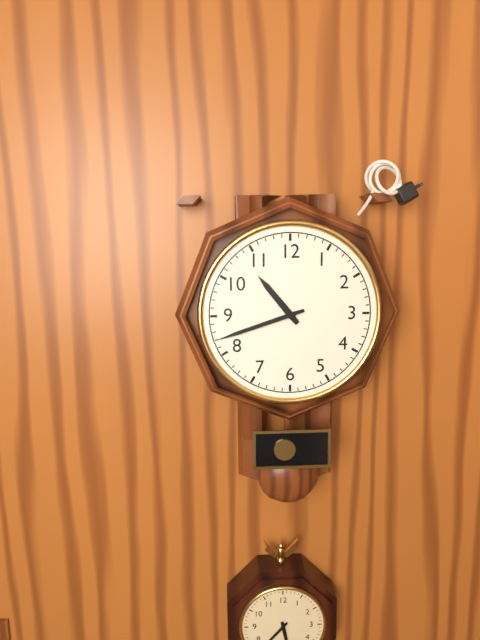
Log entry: 10h42
